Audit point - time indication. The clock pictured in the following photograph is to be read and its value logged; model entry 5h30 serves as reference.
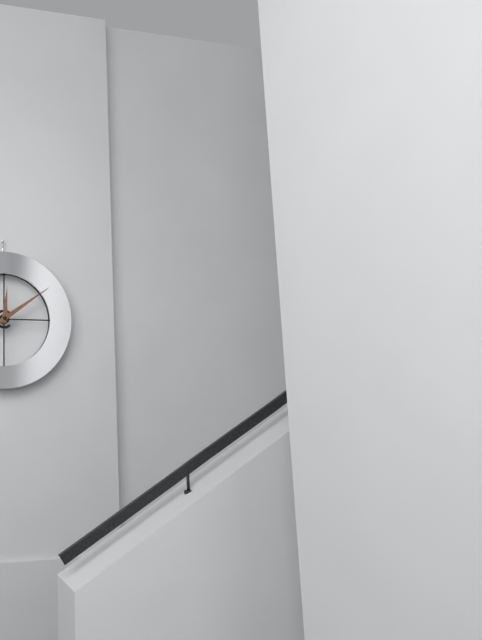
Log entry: 12h09
